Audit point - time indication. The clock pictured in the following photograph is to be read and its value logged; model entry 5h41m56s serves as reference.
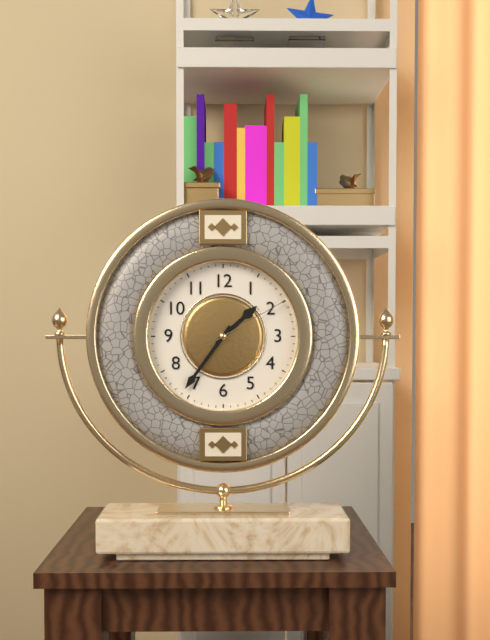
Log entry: 1h36m10s
